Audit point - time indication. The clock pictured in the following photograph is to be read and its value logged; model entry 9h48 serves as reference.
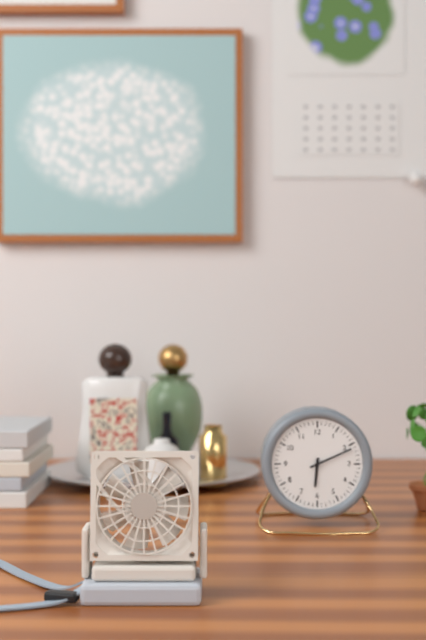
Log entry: 6h11
